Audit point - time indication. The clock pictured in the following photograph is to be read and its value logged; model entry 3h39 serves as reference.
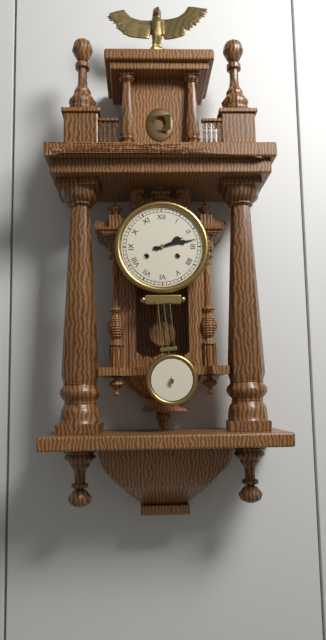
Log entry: 2h13
